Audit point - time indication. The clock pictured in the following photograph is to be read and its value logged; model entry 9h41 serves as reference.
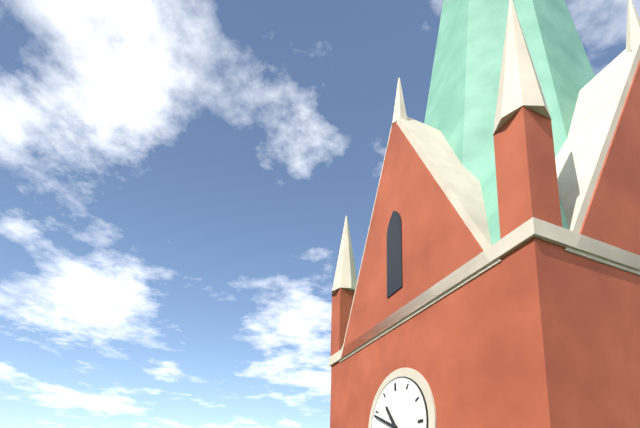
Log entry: 10h49
